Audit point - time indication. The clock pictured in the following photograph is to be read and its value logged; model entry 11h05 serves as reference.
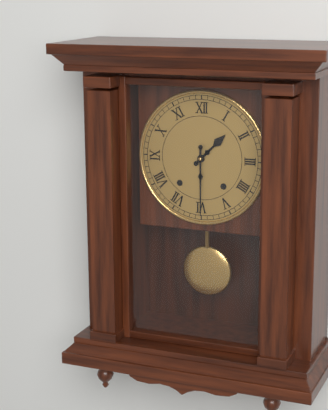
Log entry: 1h30
